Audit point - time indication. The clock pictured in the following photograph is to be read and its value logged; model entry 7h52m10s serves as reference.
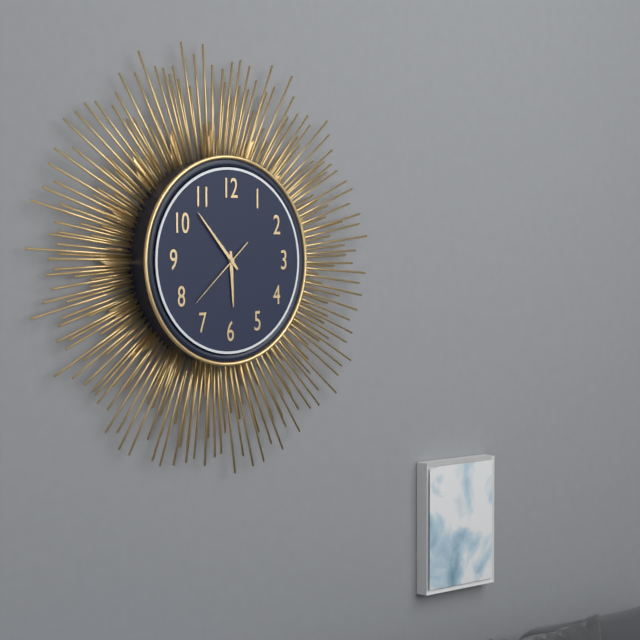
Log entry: 5h53m38s
